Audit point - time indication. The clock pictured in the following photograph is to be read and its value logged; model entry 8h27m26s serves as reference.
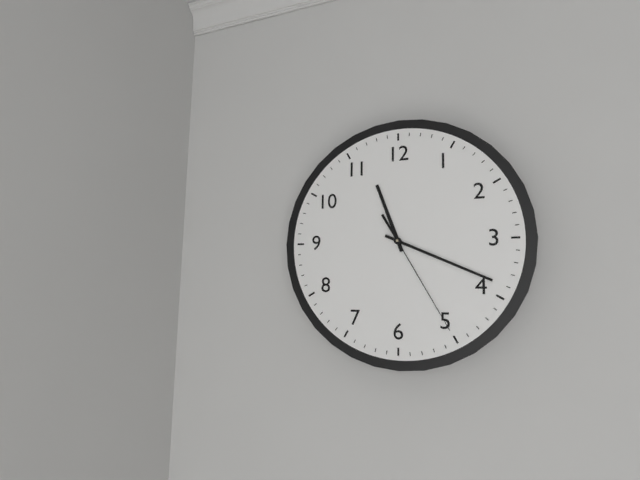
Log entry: 11h19m25s
